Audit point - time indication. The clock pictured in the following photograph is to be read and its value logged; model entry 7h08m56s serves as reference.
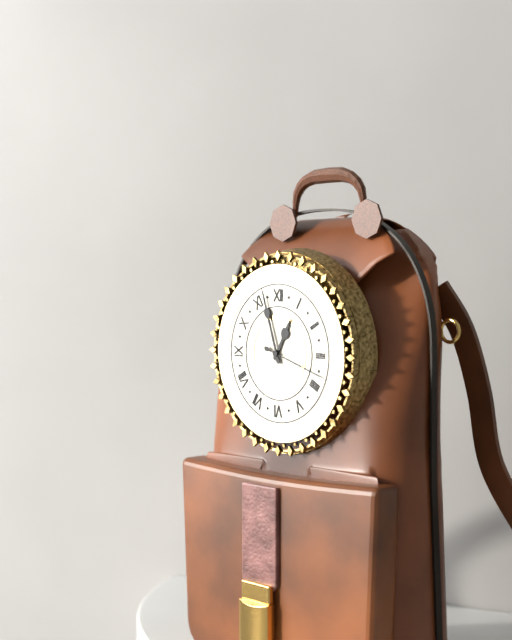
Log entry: 12h57m18s
